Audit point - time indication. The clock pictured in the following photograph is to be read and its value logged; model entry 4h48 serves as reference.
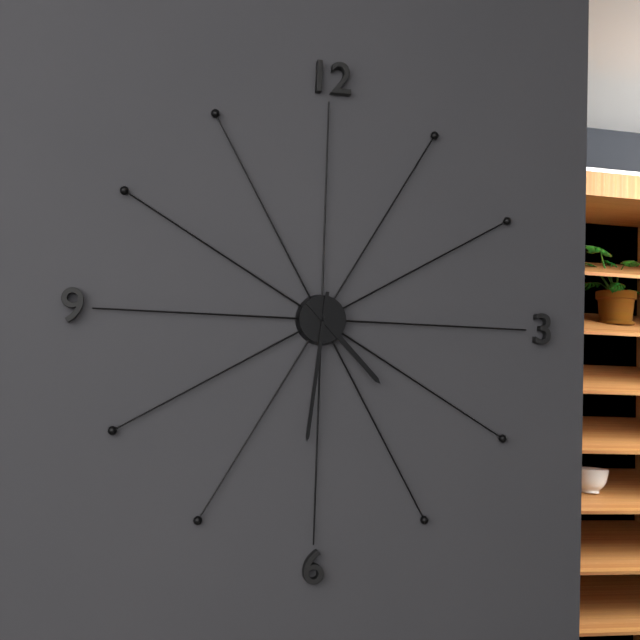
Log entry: 4h31
